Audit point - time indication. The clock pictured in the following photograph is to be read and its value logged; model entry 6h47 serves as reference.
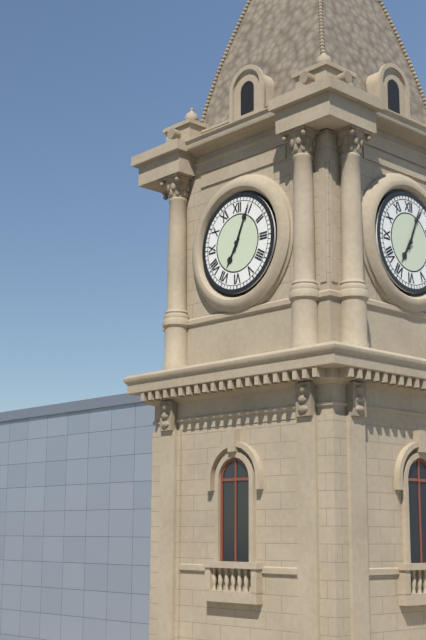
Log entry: 7h04
